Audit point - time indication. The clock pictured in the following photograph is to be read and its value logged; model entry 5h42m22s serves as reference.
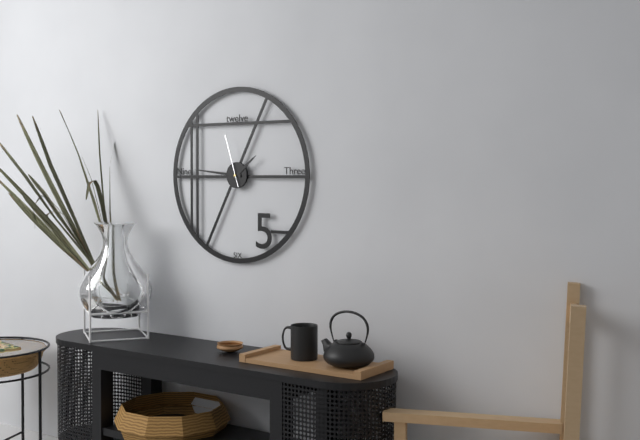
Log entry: 1h46m57s
